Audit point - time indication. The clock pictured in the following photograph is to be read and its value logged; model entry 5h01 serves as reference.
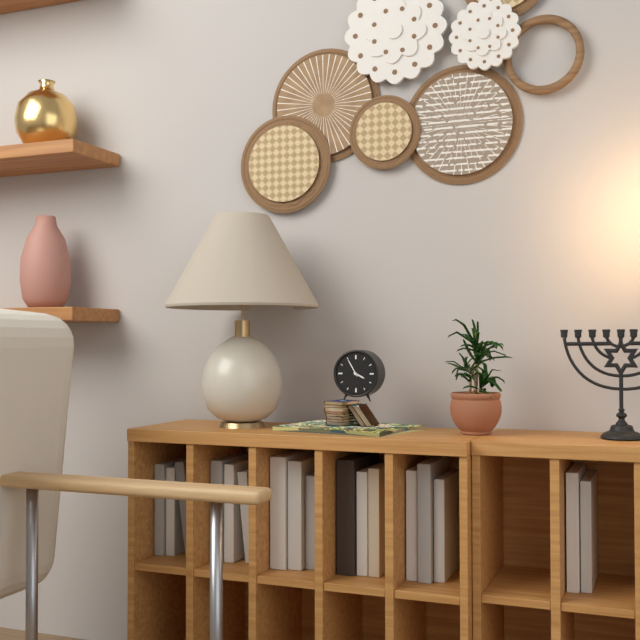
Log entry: 3h55
